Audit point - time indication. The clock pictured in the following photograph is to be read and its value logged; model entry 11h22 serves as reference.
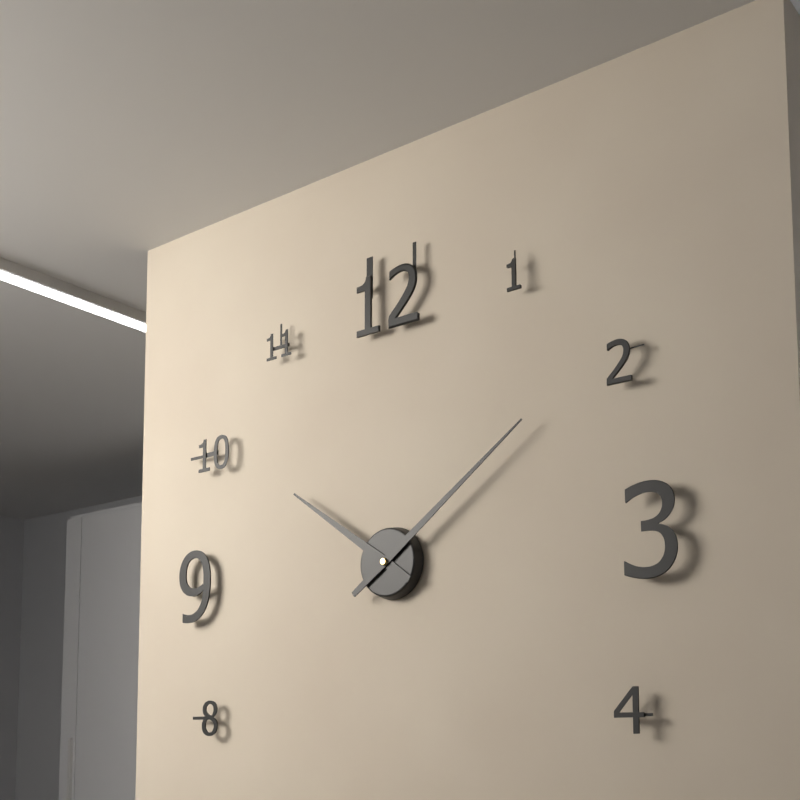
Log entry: 10h09
